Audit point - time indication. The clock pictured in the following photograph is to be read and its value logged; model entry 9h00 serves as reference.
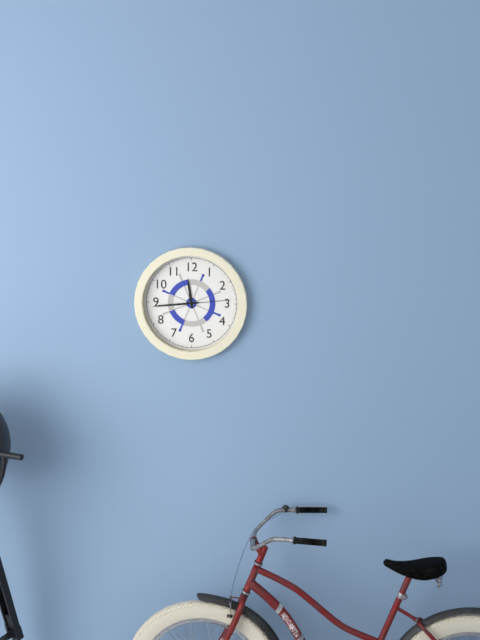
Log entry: 11h44
